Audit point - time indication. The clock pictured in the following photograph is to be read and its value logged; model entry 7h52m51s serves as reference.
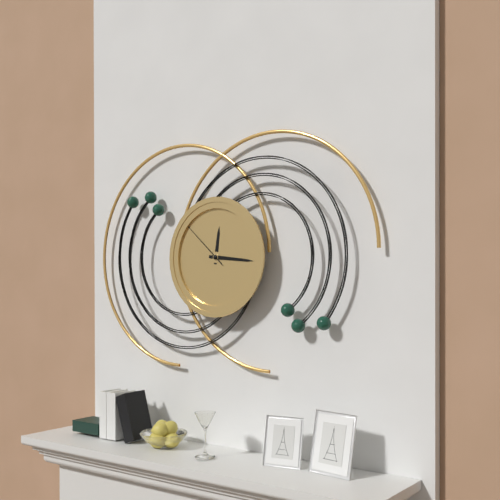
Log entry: 12h16m52s
